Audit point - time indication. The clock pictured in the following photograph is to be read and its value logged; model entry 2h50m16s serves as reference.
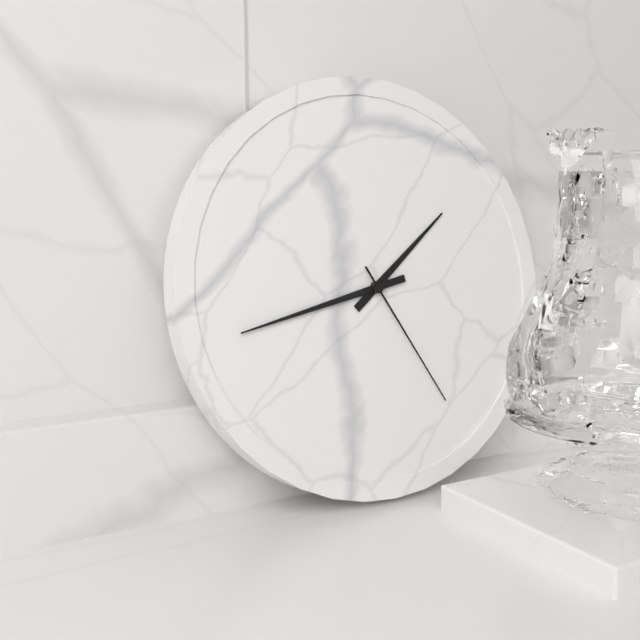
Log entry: 1h43m25s
